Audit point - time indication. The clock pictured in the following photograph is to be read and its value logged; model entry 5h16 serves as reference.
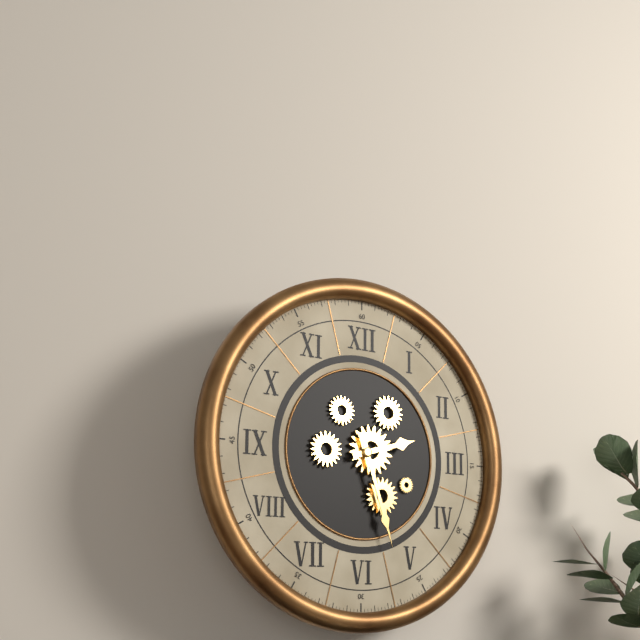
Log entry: 2h27
